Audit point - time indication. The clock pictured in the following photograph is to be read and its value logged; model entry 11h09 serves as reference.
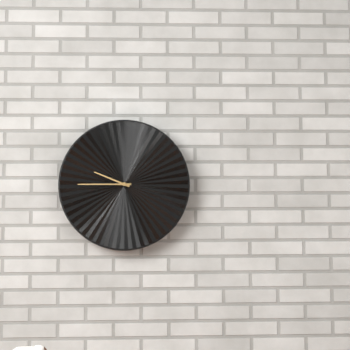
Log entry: 9h45
